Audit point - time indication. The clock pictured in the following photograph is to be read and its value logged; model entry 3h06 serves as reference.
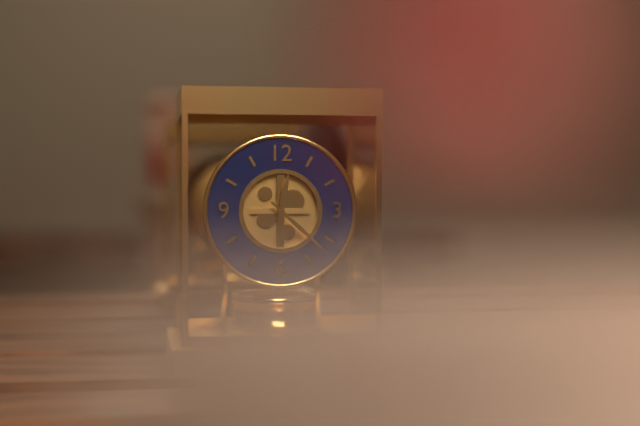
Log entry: 12h22
